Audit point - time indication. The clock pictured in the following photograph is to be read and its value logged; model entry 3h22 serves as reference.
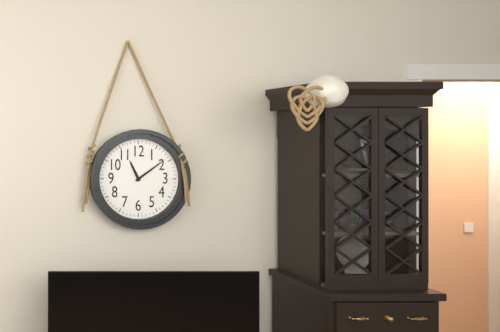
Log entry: 11h09
